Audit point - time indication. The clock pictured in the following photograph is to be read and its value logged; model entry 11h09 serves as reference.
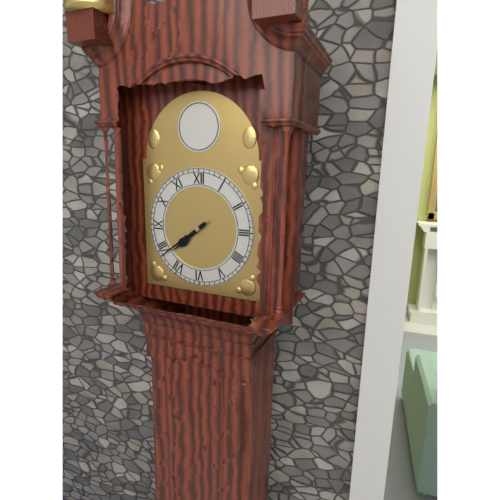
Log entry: 7h39
